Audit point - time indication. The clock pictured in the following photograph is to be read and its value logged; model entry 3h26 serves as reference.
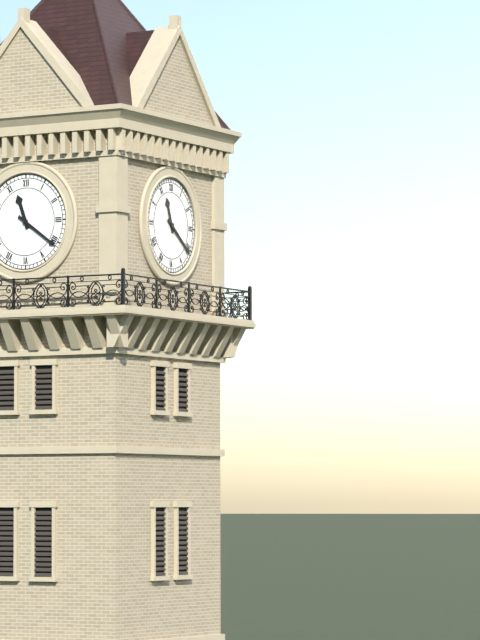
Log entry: 11h21
